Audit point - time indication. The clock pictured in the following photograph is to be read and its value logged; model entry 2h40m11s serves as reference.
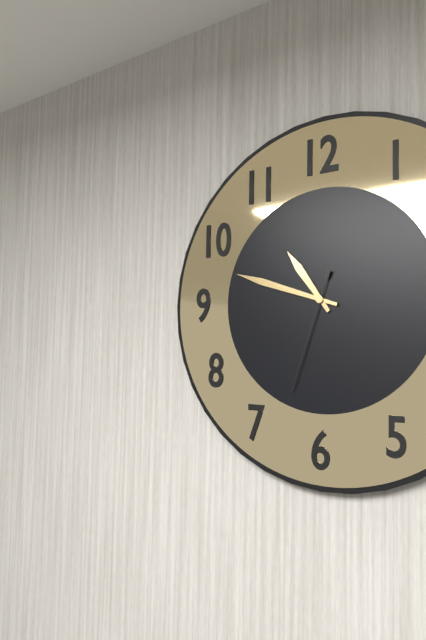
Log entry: 10h48m33s
